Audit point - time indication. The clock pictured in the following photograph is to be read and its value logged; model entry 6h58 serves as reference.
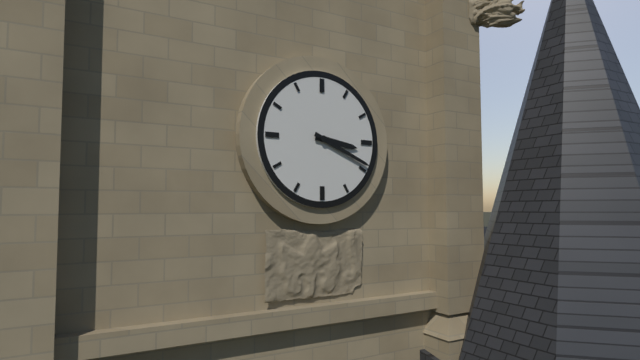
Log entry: 3h19
